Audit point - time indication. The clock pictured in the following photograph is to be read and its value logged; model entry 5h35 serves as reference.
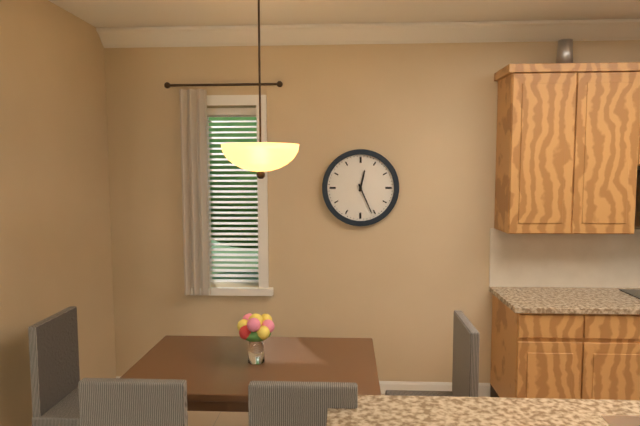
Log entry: 12h26
